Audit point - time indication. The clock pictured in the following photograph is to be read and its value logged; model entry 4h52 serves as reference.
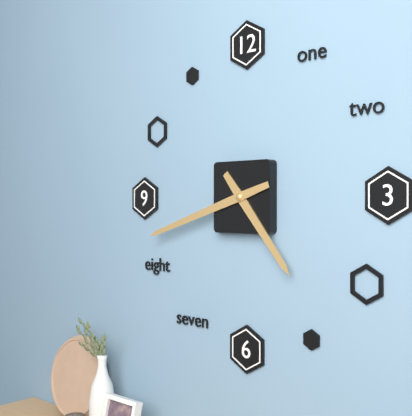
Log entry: 4h42
